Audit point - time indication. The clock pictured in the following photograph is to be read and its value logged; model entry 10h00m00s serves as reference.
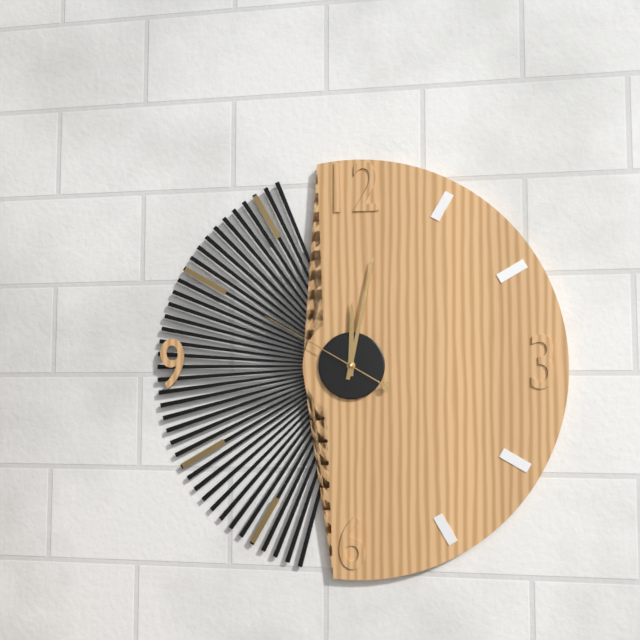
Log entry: 12h02m50s
